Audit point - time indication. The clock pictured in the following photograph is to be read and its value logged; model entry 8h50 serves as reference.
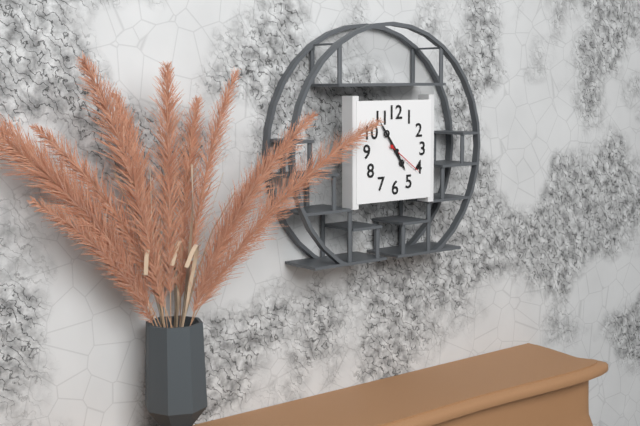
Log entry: 4h54
